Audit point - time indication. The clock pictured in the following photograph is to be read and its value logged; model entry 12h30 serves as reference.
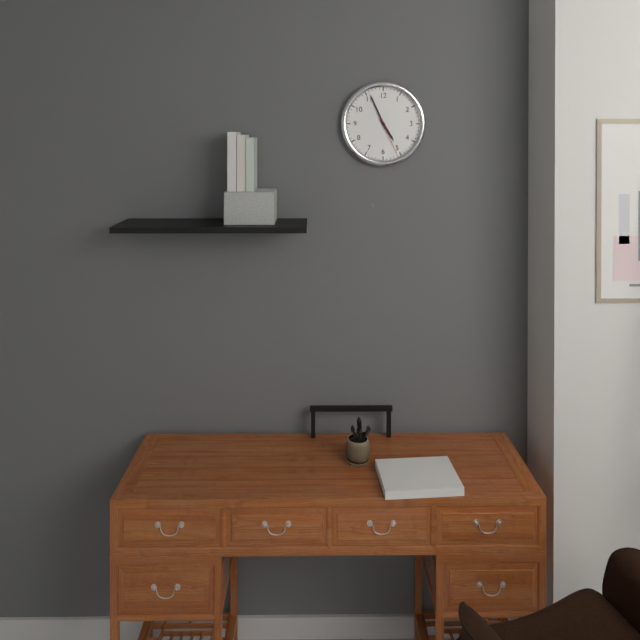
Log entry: 4h56
